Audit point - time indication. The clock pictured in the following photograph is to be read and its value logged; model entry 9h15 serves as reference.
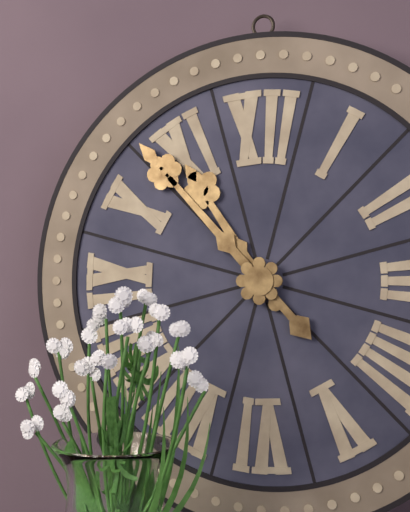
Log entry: 10h53
